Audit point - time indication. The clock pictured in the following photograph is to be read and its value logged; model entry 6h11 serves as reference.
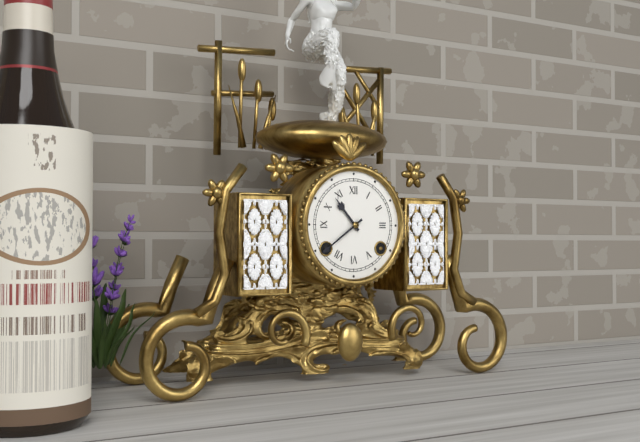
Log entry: 10h39
